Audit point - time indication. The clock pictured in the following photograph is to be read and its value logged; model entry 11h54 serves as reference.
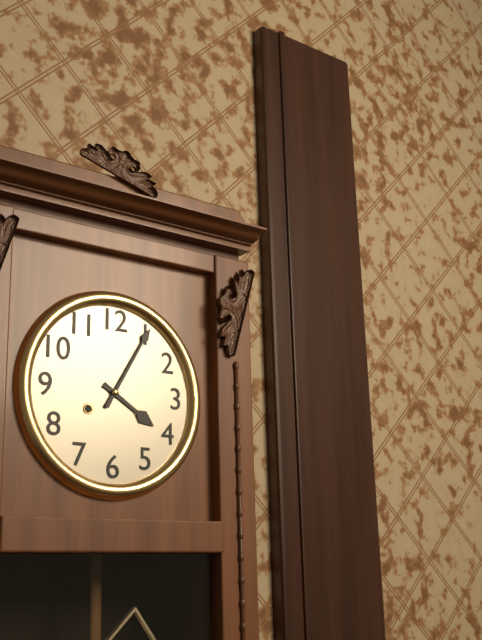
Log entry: 4h05
